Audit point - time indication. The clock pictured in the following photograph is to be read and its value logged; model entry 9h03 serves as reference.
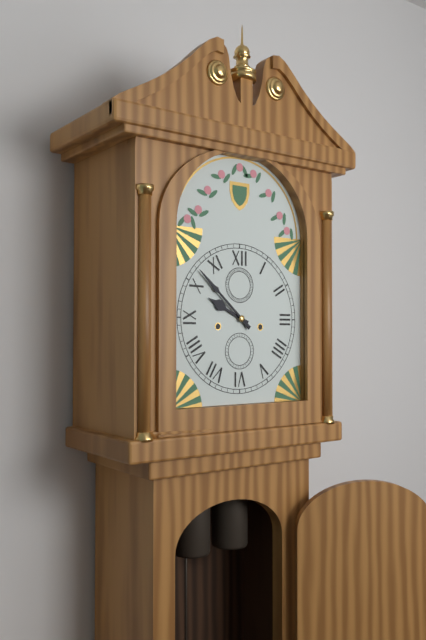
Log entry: 9h52
